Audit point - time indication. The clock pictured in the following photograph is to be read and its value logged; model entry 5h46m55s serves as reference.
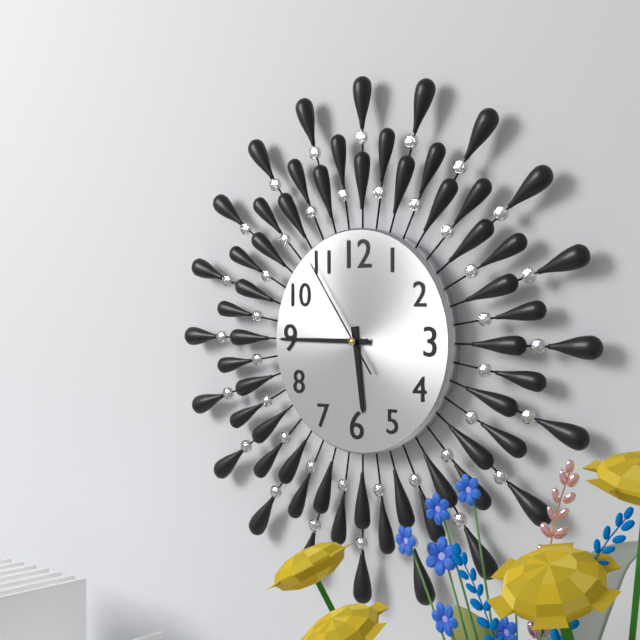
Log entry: 5h45m54s
